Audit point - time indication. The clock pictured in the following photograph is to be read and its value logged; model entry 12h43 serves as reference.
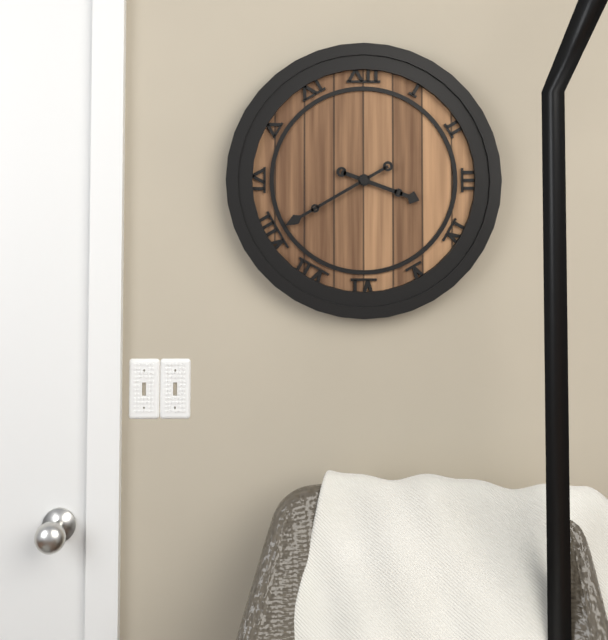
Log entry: 3h40
